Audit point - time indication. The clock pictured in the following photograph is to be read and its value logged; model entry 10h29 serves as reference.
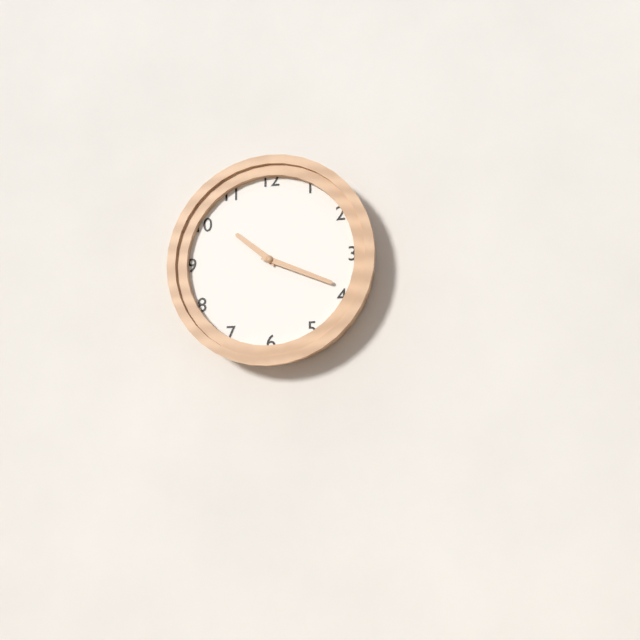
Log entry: 10h19
